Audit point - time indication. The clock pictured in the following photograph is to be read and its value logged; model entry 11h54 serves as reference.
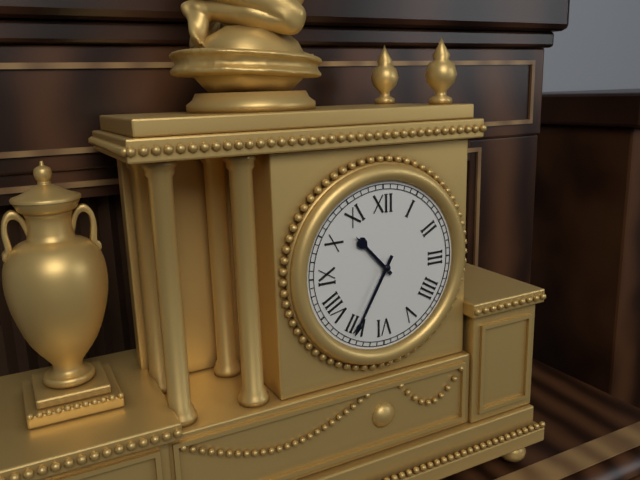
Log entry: 10h35
